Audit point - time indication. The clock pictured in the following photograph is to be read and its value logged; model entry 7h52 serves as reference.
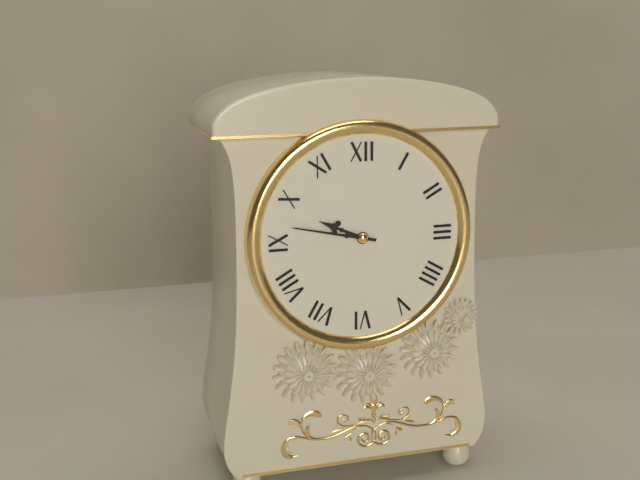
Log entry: 9h47
